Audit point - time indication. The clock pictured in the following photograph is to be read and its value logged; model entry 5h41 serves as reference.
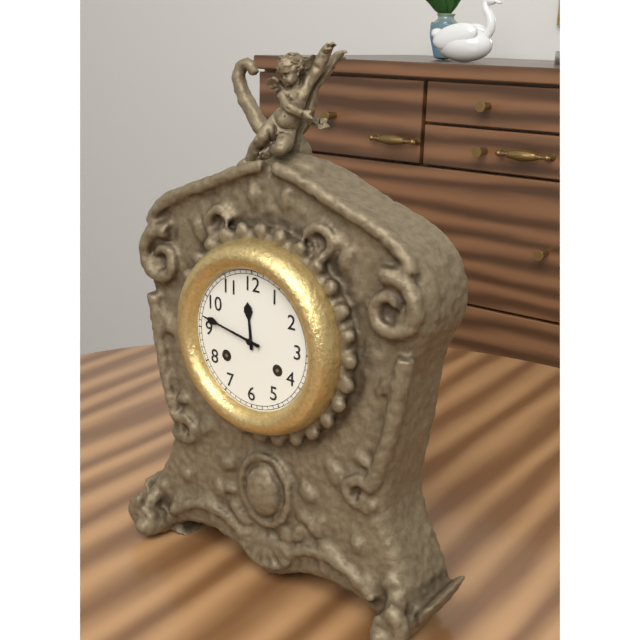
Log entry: 11h47
